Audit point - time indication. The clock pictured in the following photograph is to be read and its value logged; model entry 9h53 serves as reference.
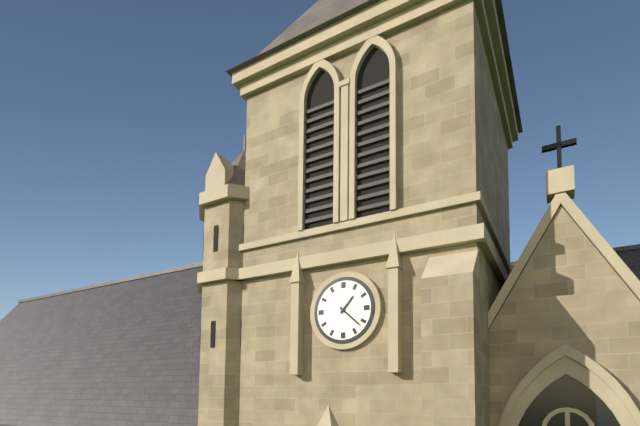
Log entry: 1h22
